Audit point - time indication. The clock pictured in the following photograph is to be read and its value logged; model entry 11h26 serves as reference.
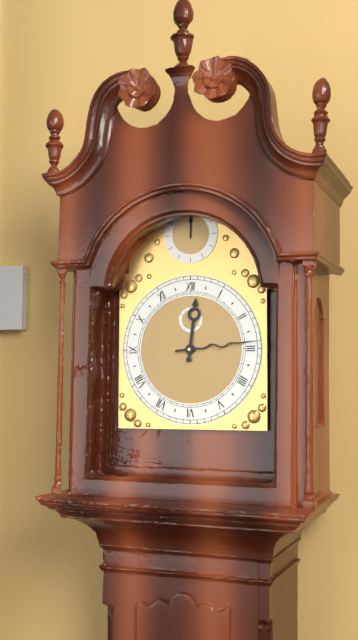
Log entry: 12h14
